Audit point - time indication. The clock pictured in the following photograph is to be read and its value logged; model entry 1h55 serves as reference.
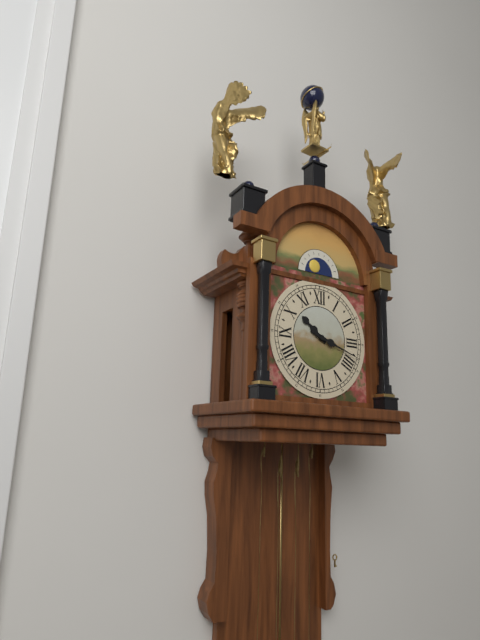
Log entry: 10h18
